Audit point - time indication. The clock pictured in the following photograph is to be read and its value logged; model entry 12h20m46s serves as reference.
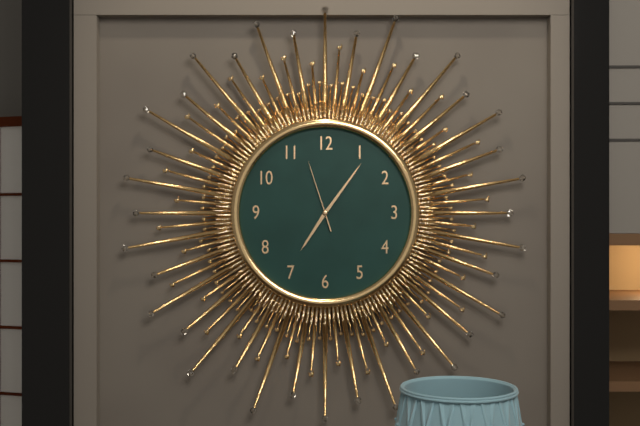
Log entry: 7h06m57s
